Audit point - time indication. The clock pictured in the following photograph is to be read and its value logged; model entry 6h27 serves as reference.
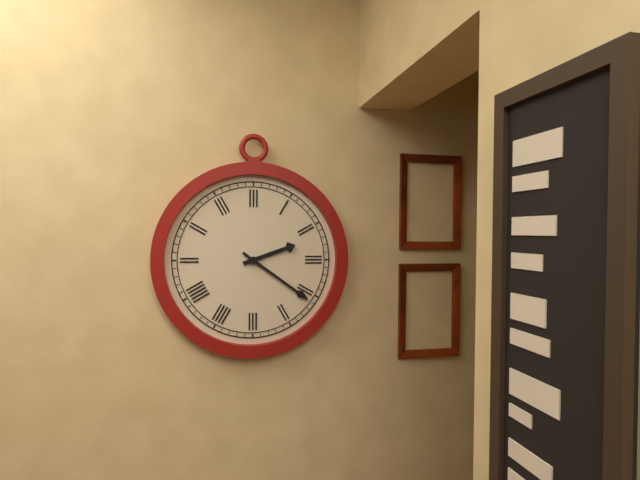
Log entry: 2h21
